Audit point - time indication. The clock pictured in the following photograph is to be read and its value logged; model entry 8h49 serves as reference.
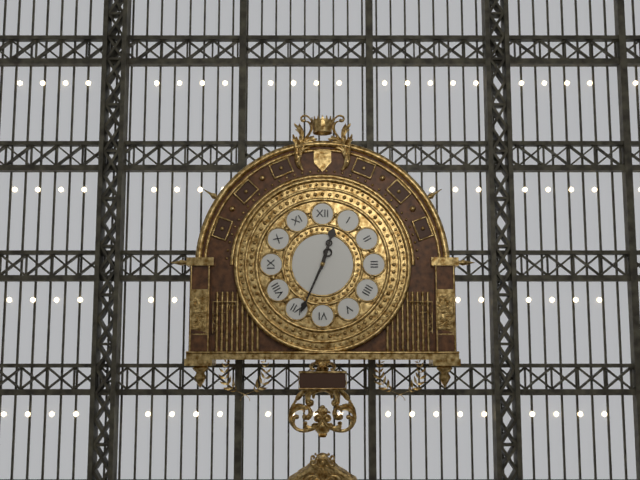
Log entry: 12h34
